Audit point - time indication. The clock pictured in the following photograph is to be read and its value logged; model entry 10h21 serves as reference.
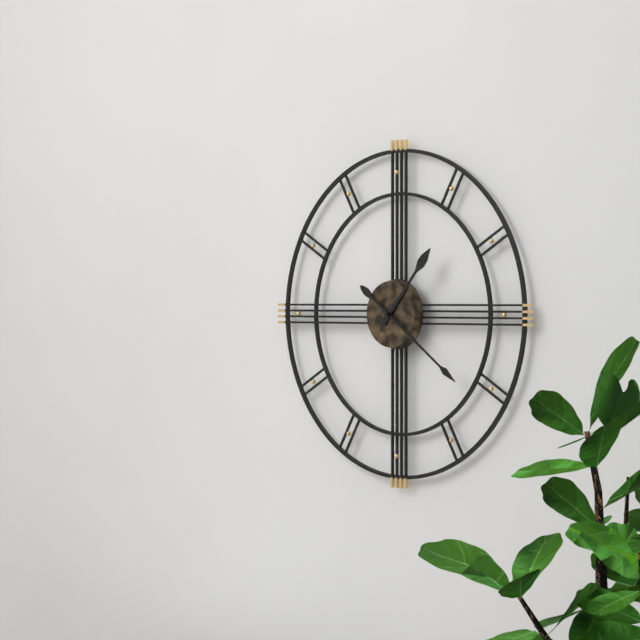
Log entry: 1h21
